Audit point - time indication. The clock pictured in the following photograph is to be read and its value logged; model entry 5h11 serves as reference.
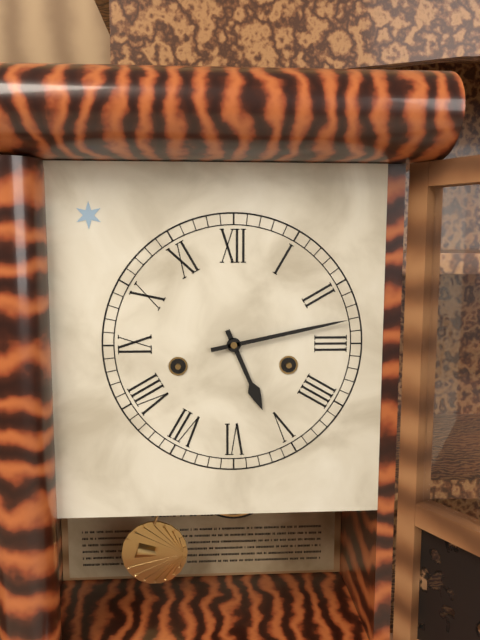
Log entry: 5h13
